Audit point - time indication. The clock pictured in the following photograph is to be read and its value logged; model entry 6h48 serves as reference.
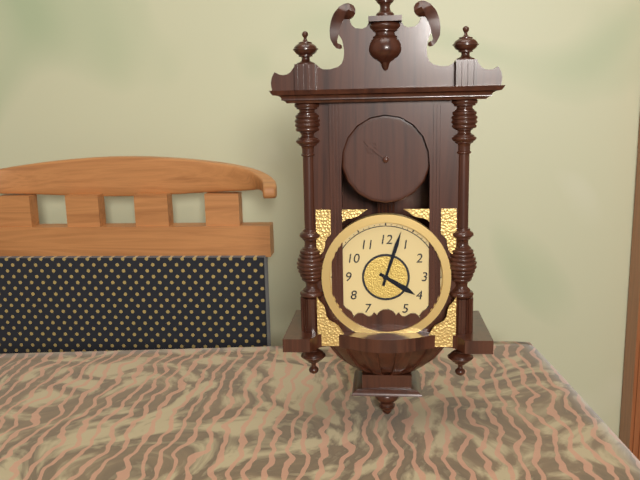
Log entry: 4h03
